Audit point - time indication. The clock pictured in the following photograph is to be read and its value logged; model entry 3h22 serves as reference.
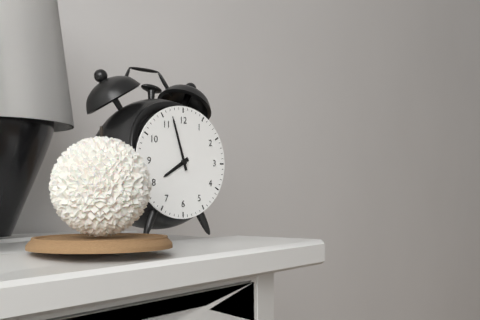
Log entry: 7h57
